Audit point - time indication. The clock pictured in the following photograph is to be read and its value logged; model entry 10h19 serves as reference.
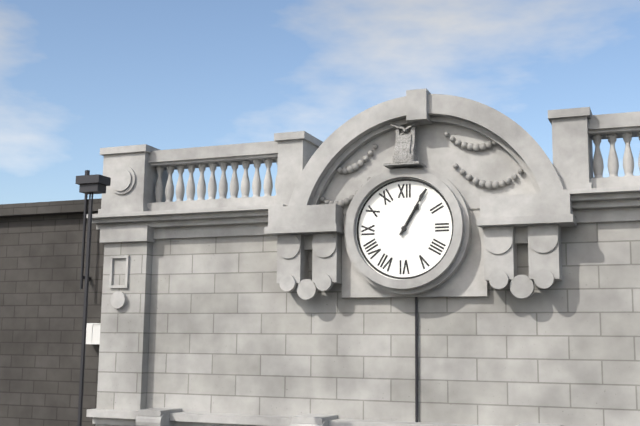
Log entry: 1h05
